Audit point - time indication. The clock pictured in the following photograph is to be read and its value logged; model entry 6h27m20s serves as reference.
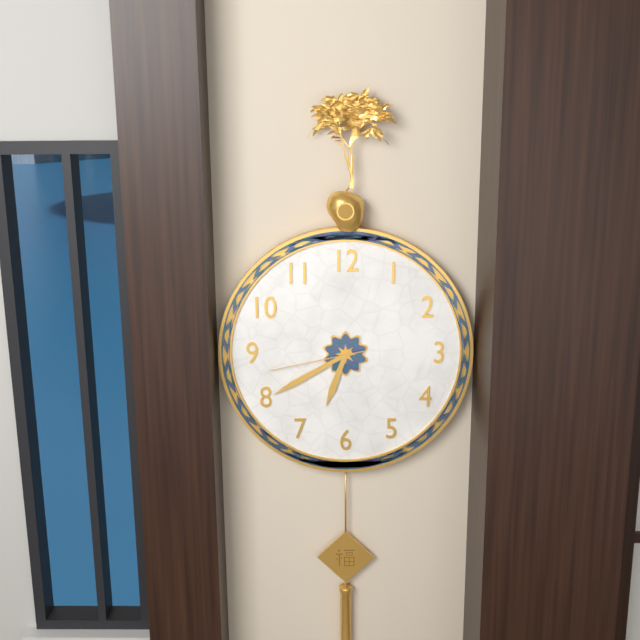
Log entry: 6h40m43s
